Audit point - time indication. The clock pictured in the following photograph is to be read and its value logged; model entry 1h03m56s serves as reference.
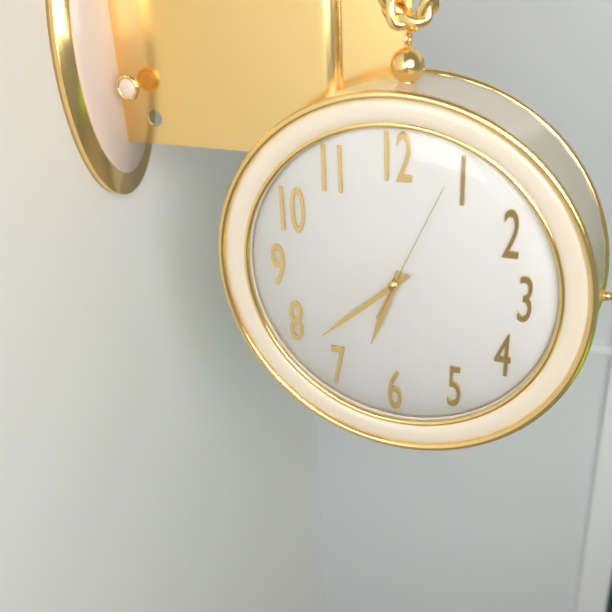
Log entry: 6h38m04s
